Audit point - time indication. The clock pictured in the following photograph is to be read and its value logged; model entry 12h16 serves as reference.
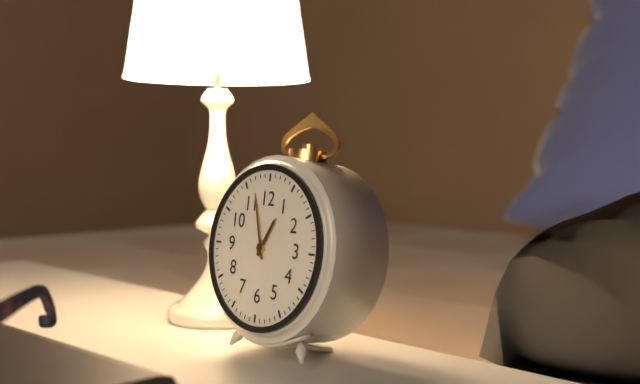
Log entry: 12h57
